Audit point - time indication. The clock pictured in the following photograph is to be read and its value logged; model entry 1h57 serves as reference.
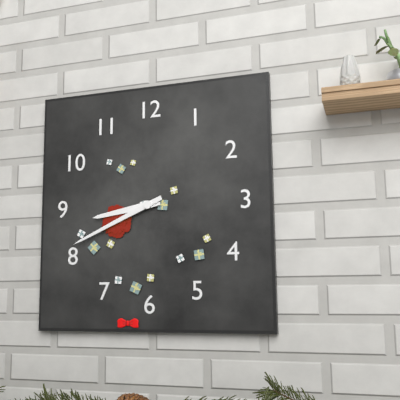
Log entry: 8h41
